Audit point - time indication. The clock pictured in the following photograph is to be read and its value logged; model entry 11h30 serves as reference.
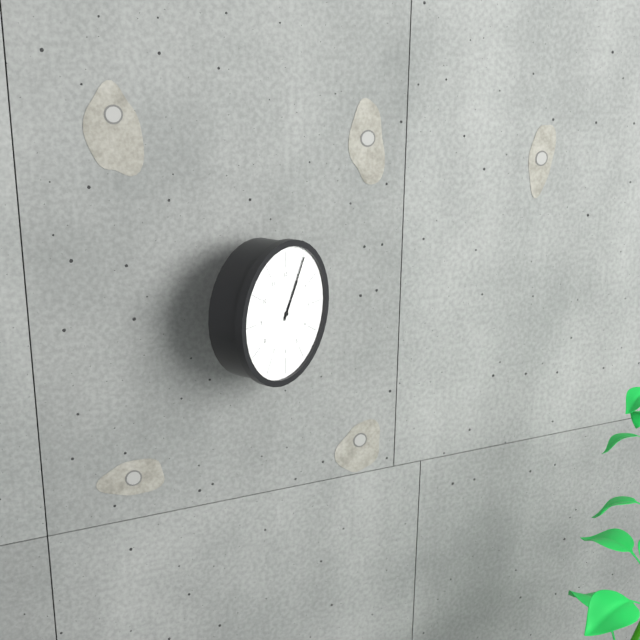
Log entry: 1h05
